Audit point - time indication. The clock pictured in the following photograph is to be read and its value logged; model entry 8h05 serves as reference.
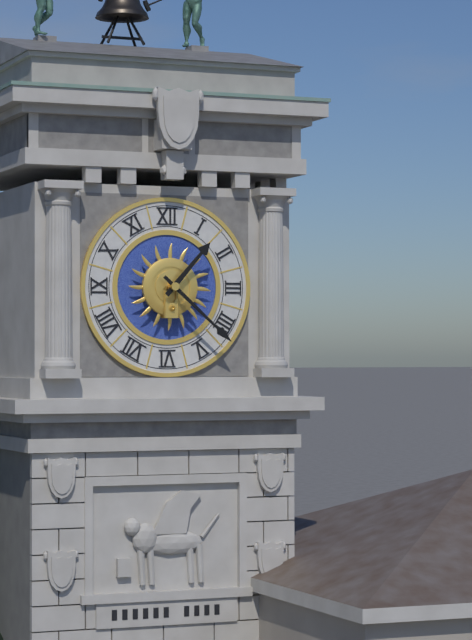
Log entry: 1h22
